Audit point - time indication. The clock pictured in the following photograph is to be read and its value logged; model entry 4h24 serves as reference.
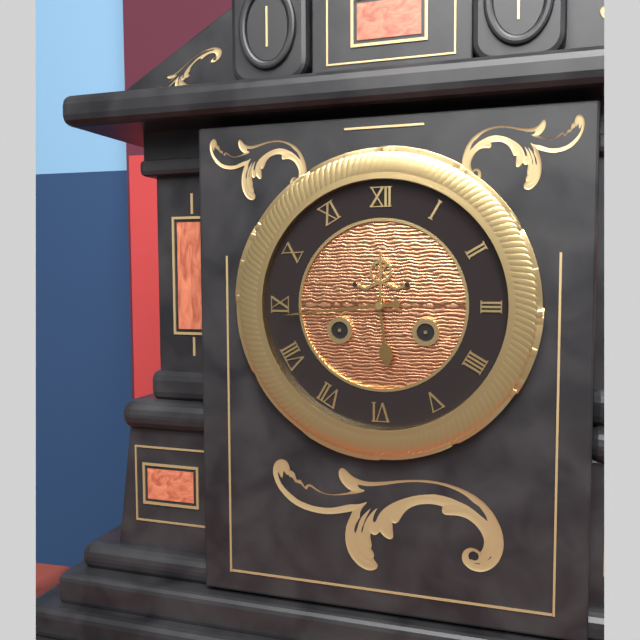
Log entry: 5h44
